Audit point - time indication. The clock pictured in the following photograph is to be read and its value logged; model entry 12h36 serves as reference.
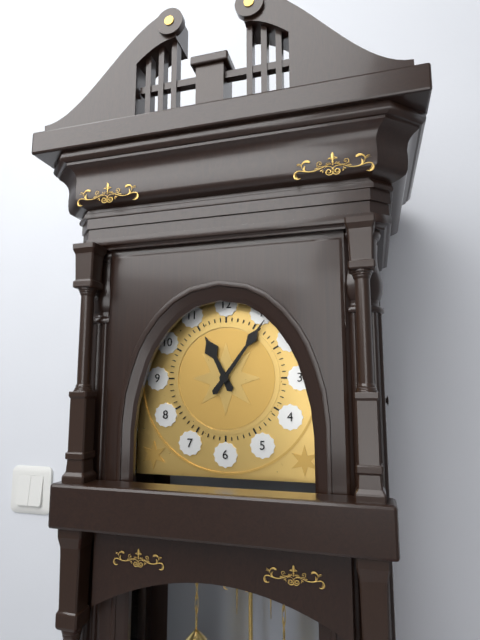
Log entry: 11h06
